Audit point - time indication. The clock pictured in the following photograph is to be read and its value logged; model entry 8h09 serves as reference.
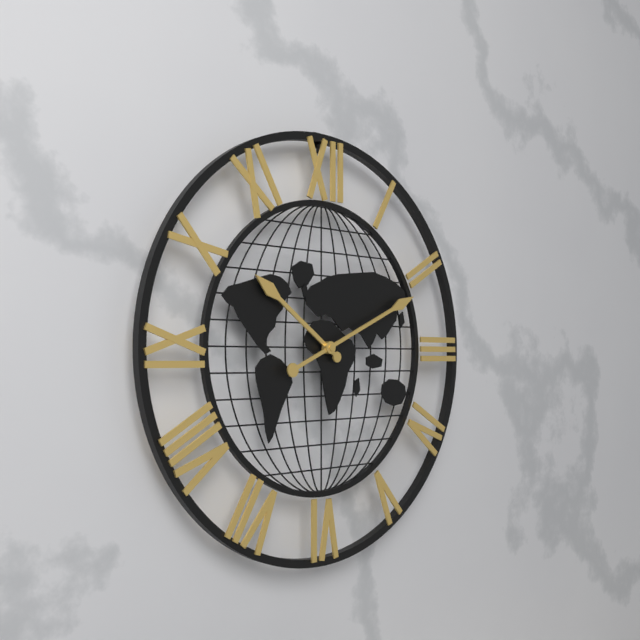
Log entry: 10h11
